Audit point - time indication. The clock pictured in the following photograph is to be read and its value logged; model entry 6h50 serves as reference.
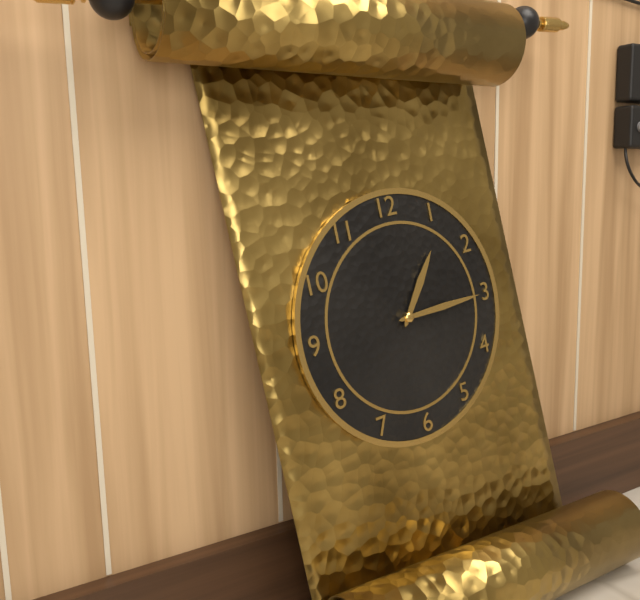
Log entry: 1h15
